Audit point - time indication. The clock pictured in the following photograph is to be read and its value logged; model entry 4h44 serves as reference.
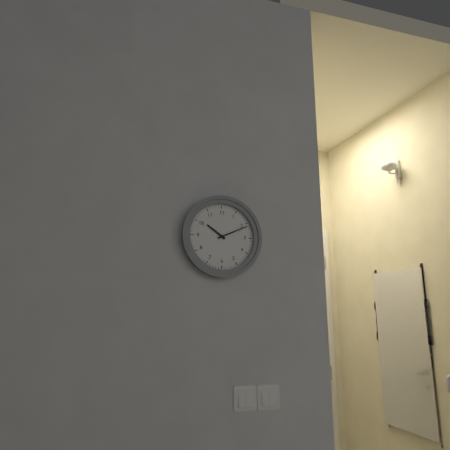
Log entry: 10h11
